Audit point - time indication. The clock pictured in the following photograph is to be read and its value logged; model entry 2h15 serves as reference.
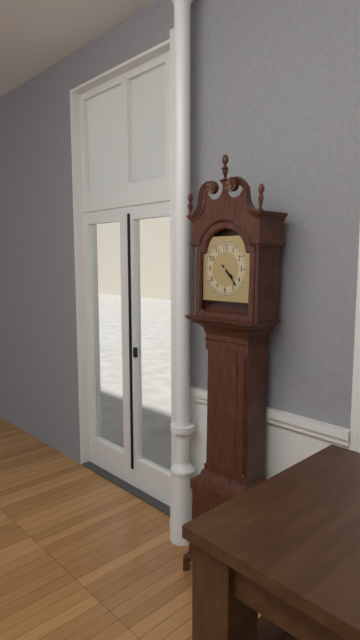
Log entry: 4h23
